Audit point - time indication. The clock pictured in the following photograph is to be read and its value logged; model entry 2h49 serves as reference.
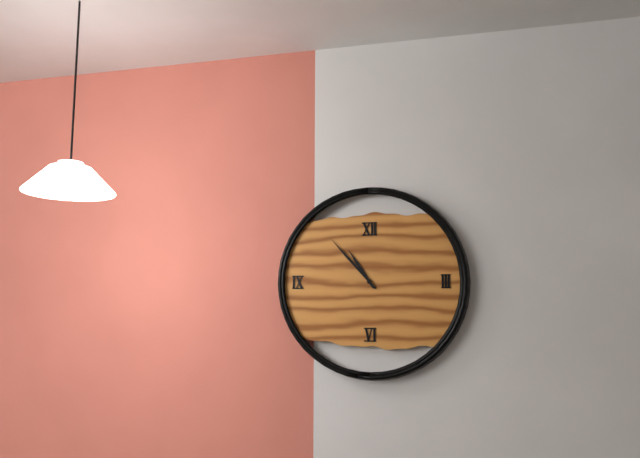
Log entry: 10h53
